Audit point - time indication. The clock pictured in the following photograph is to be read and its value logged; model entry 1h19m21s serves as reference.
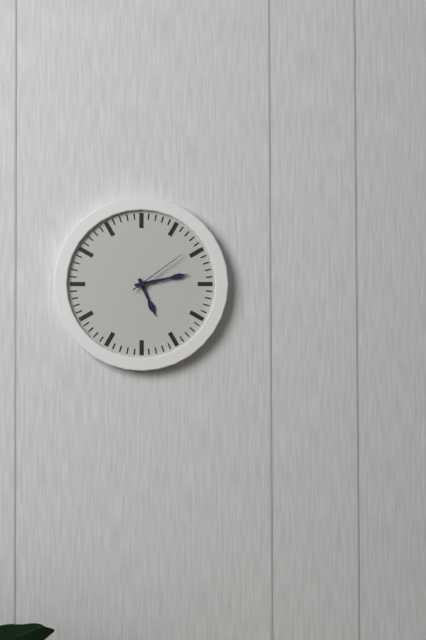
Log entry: 5h13m09s
